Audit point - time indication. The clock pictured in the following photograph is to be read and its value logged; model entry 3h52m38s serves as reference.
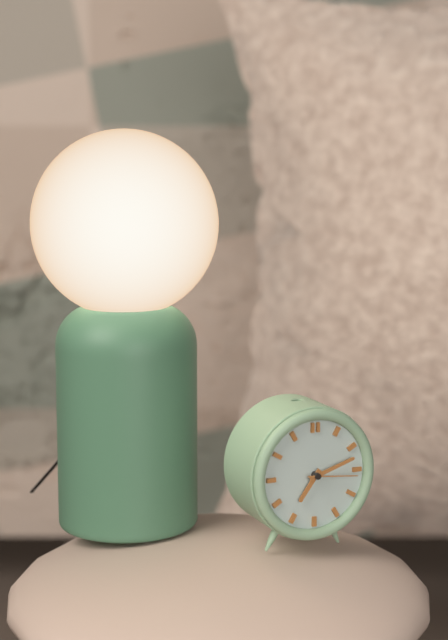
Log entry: 7h12m16s
